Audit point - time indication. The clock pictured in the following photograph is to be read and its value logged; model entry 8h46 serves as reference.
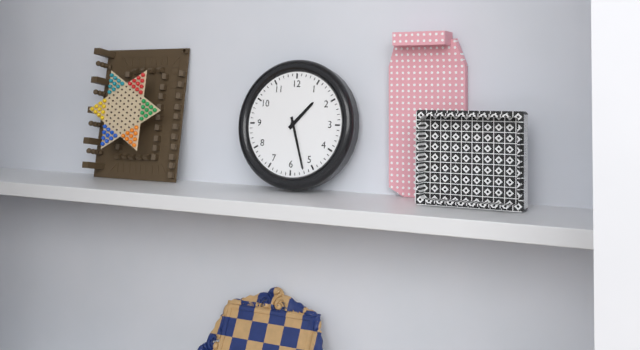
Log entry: 1h27
